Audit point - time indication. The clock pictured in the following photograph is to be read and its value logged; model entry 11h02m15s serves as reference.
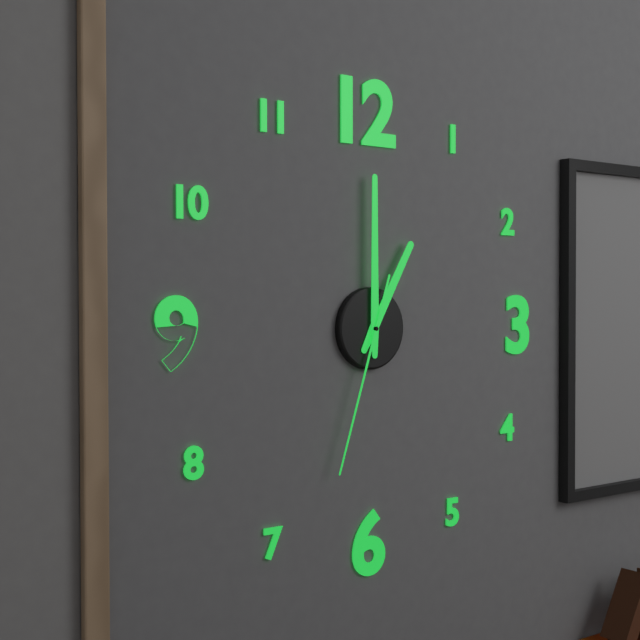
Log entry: 1h00m33s
